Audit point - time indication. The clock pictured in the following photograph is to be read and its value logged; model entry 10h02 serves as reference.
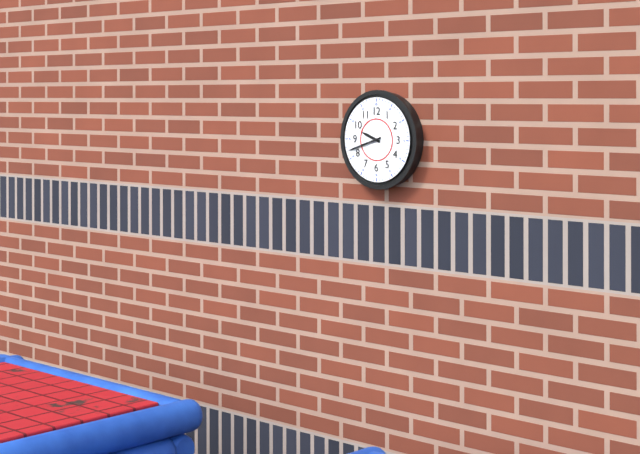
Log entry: 9h42
